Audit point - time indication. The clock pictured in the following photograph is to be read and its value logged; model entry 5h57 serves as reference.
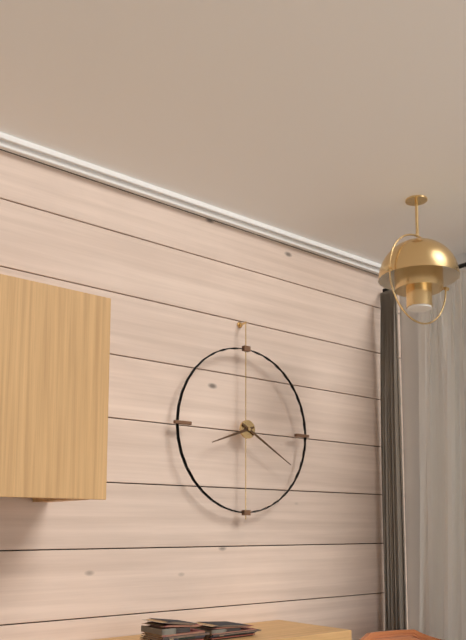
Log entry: 8h20
